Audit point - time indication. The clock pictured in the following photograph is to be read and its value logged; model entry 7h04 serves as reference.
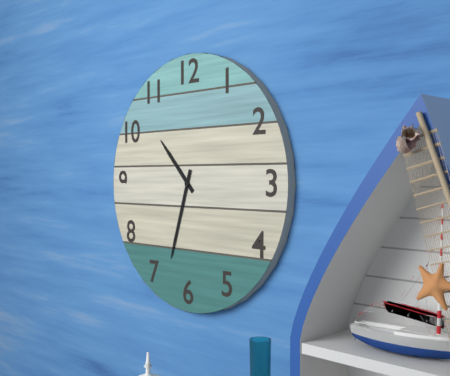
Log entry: 10h33
